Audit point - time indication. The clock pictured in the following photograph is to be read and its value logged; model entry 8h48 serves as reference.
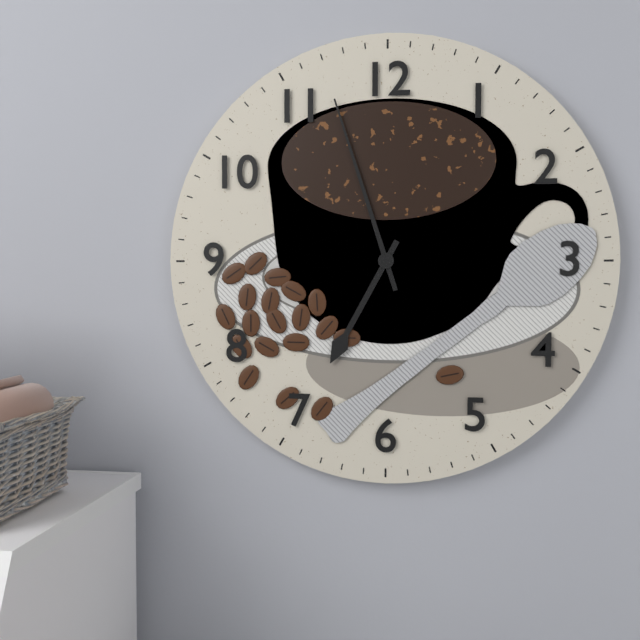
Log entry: 6h57
